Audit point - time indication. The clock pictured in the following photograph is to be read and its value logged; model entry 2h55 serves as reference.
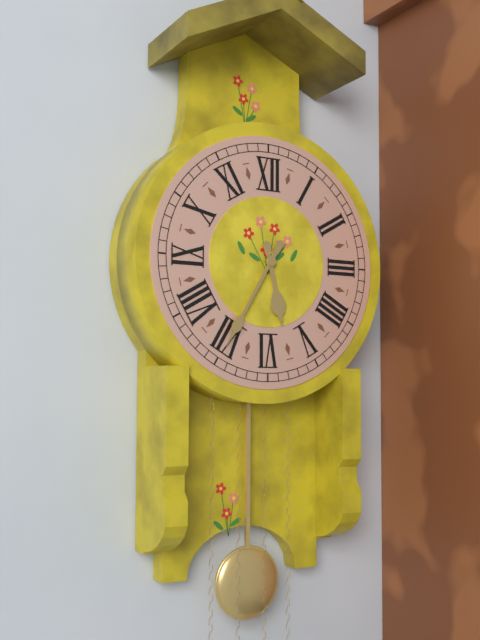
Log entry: 5h35
